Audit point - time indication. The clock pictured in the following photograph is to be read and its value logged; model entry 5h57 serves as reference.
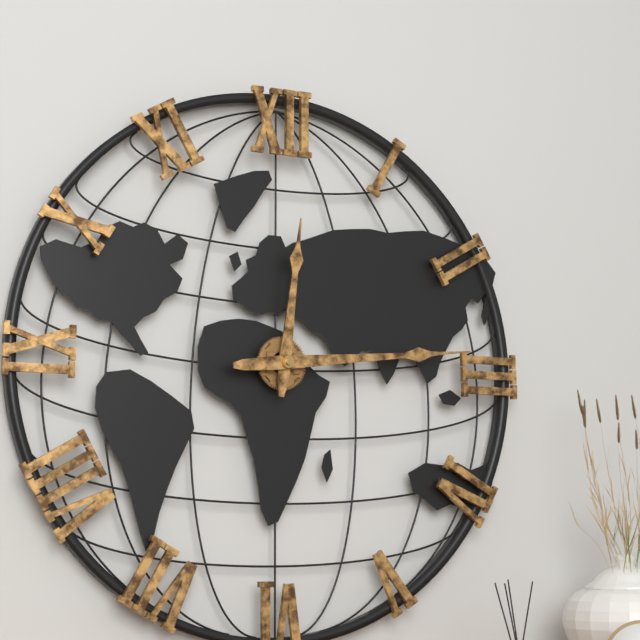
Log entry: 12h14
